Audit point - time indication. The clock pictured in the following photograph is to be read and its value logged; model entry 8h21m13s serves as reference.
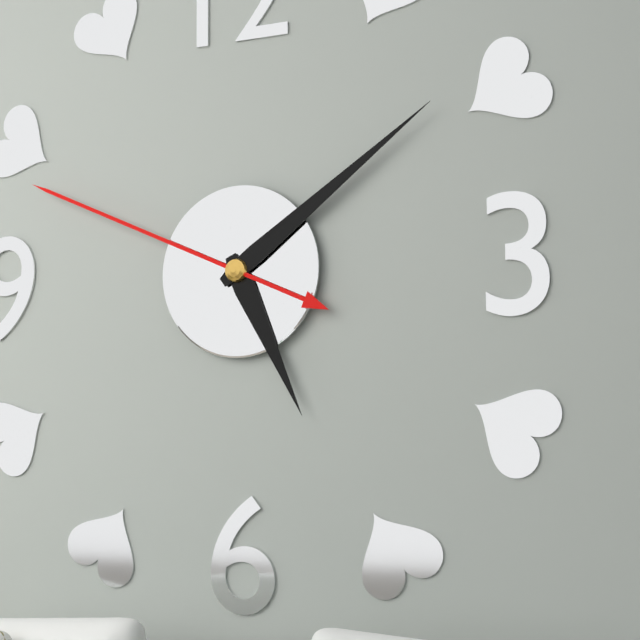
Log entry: 5h09m49s
